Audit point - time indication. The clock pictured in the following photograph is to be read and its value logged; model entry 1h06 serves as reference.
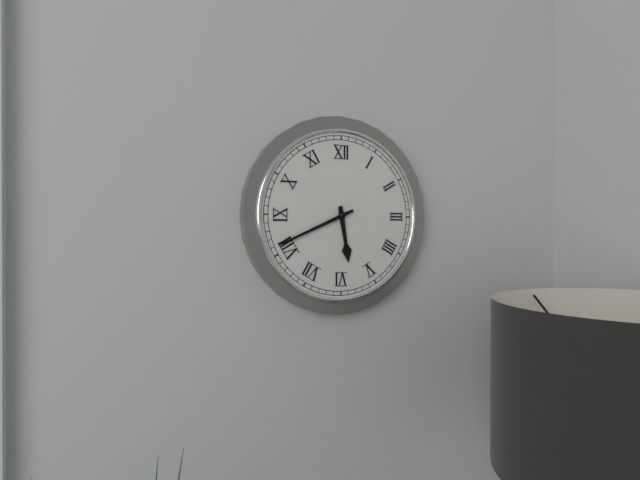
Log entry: 5h41
